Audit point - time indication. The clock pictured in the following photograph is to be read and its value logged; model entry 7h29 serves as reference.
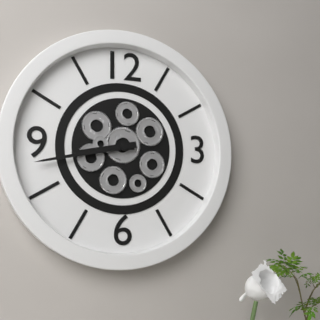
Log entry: 8h43
